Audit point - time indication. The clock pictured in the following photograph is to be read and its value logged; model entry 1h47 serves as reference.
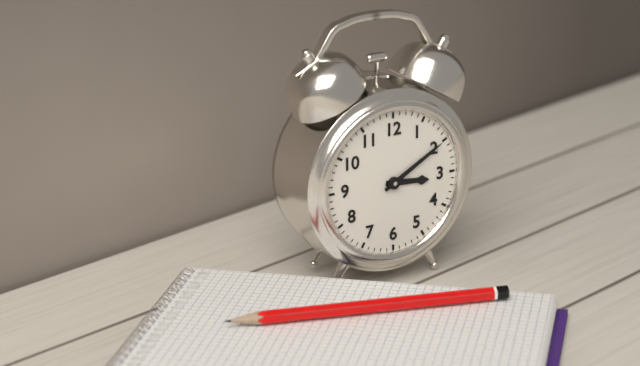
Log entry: 3h10
